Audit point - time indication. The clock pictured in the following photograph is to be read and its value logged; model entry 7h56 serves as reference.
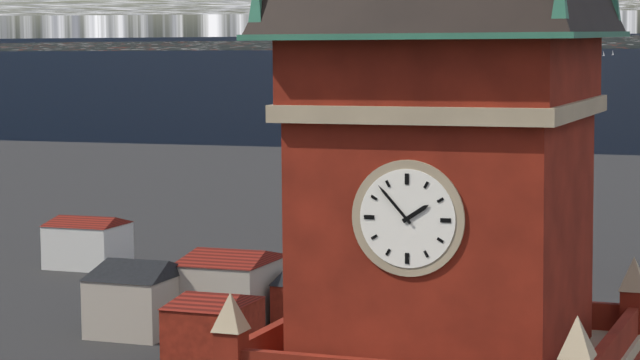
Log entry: 1h53
